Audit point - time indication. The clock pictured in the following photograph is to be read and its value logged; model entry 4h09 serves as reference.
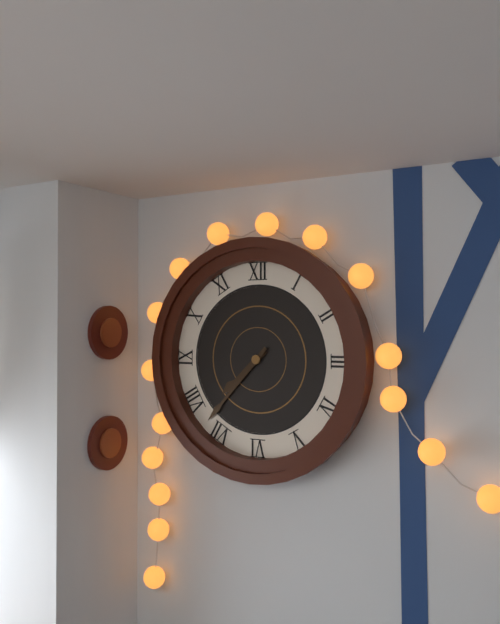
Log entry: 7h37
